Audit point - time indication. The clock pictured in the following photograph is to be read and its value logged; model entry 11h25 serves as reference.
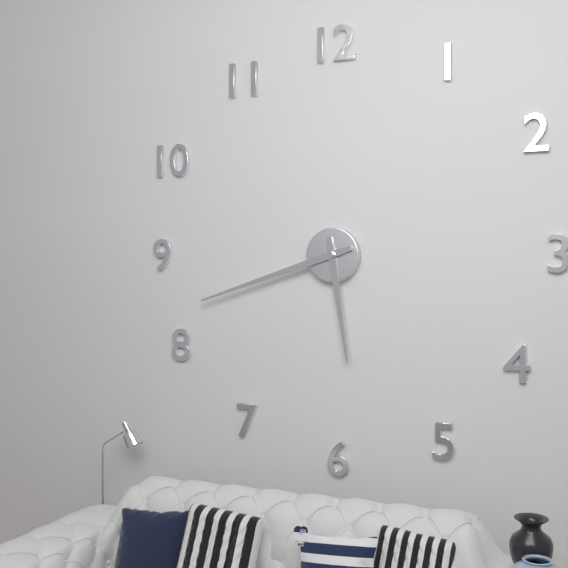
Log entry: 5h42
